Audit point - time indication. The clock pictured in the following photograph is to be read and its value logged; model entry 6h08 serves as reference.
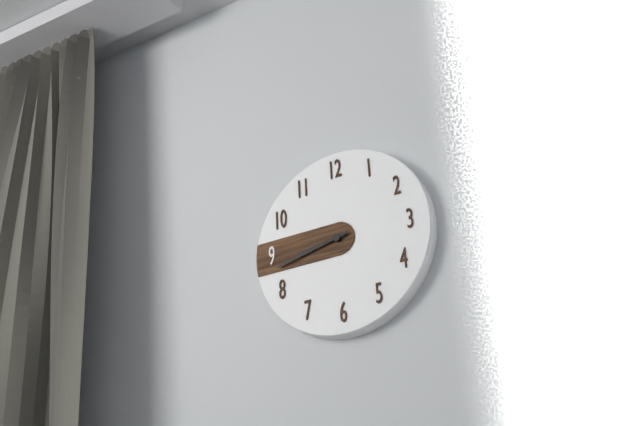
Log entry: 8h43
